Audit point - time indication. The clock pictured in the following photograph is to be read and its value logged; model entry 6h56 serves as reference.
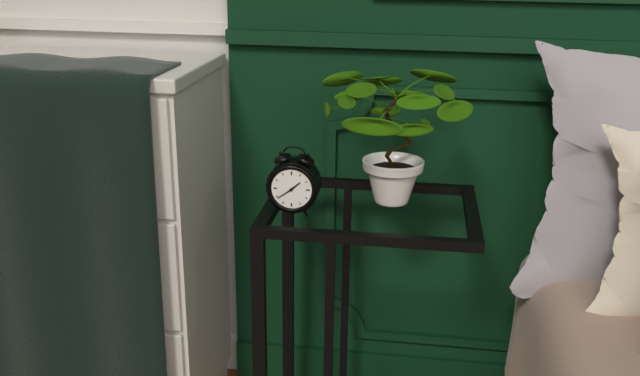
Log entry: 1h39
